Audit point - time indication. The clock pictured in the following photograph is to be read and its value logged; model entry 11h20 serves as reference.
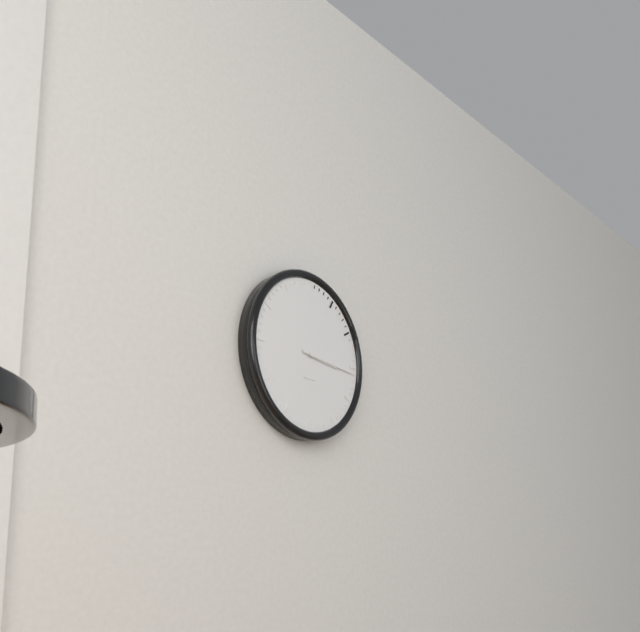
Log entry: 3h16
